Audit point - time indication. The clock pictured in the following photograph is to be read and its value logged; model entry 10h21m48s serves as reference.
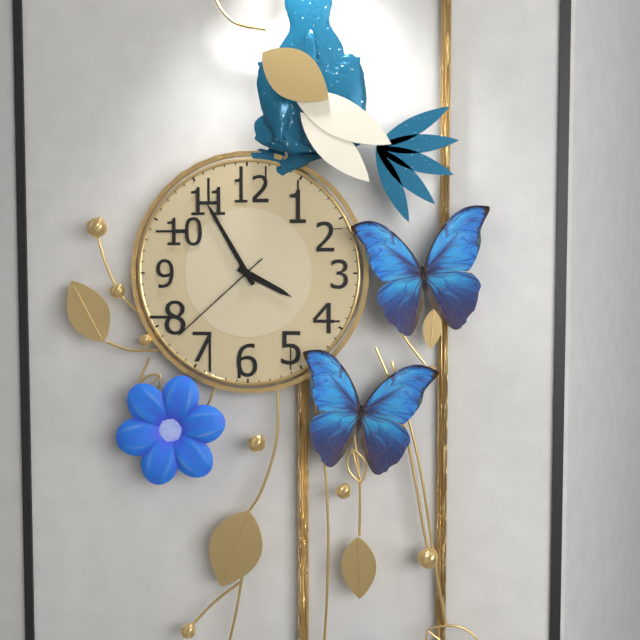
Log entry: 3h55m38s
